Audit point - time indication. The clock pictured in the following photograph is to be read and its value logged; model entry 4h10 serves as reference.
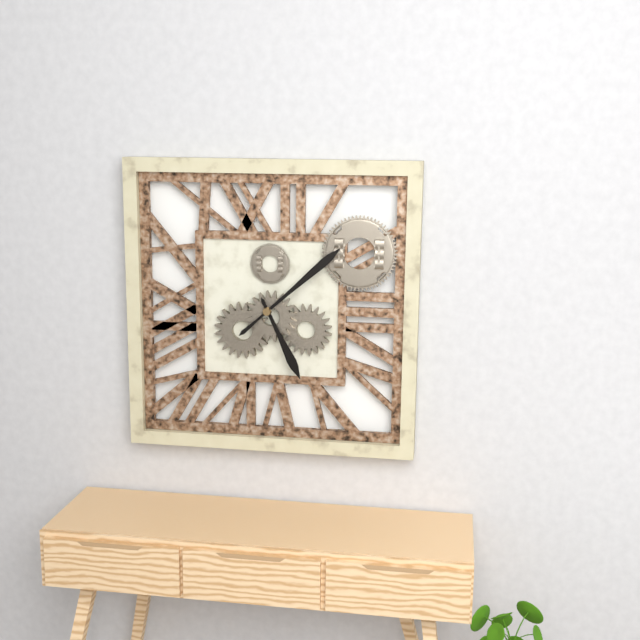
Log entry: 5h08
